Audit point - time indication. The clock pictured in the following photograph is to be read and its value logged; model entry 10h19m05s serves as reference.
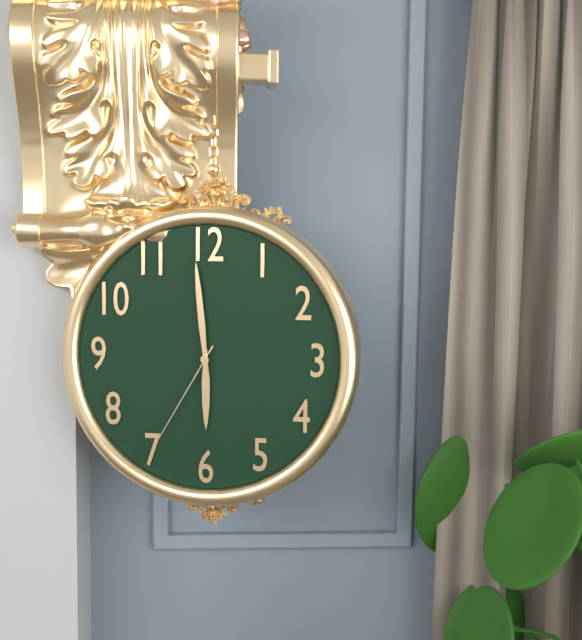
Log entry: 5h59m35s
